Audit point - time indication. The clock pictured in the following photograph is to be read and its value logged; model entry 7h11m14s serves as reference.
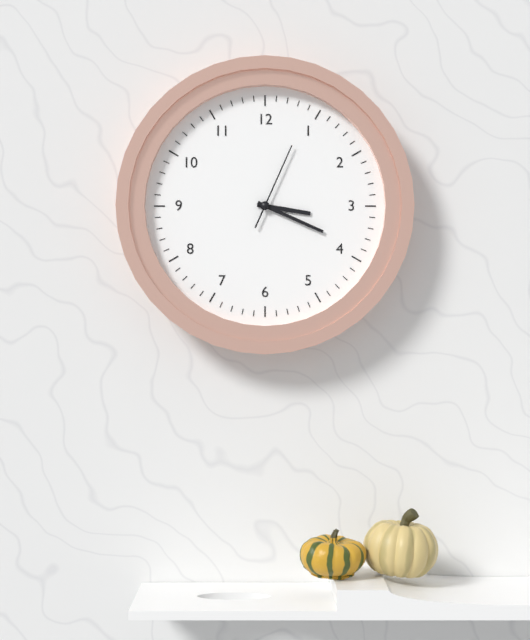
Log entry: 3h19m04s
